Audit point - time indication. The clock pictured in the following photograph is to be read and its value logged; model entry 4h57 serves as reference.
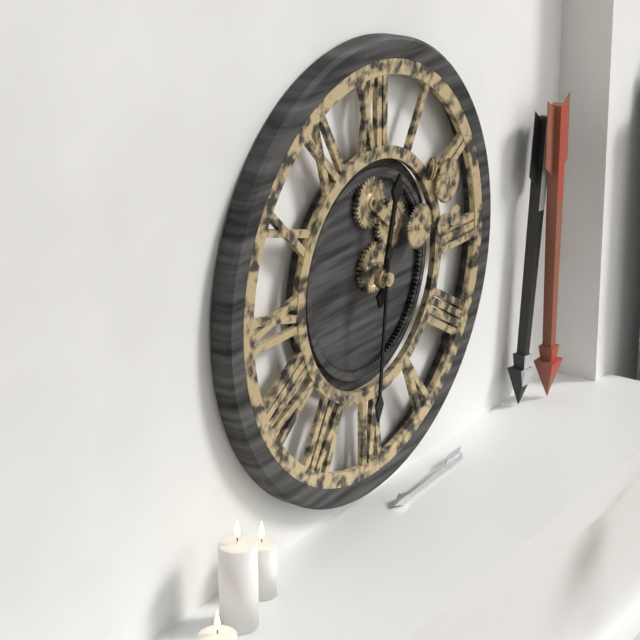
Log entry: 12h31
